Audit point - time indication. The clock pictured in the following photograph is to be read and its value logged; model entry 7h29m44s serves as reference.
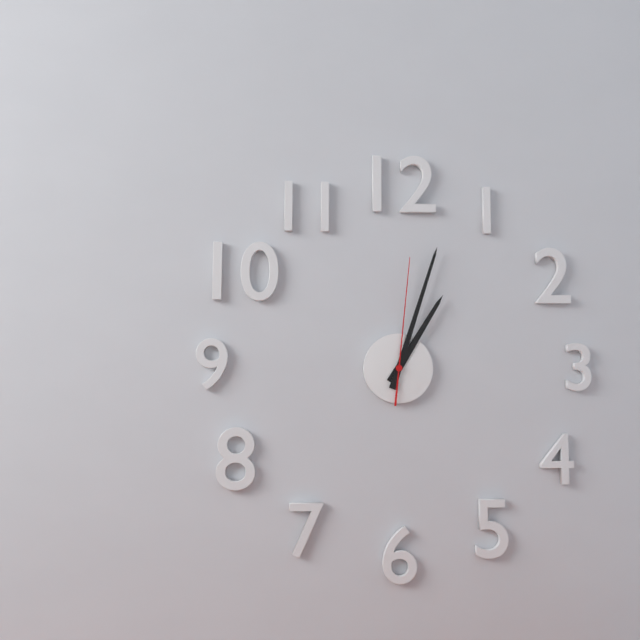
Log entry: 1h03m01s
